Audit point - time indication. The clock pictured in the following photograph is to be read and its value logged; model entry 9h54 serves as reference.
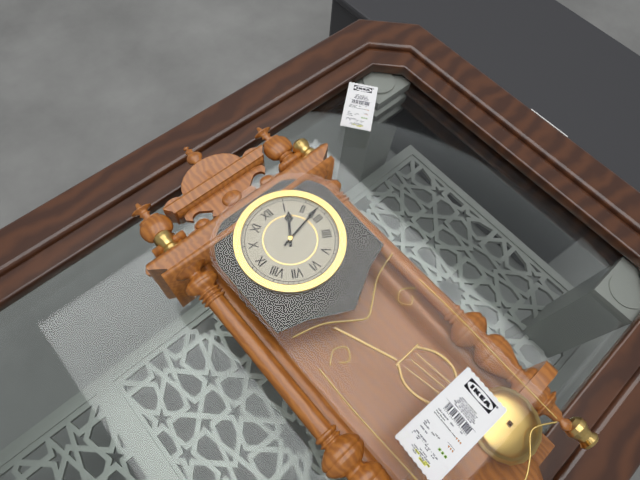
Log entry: 1h13
